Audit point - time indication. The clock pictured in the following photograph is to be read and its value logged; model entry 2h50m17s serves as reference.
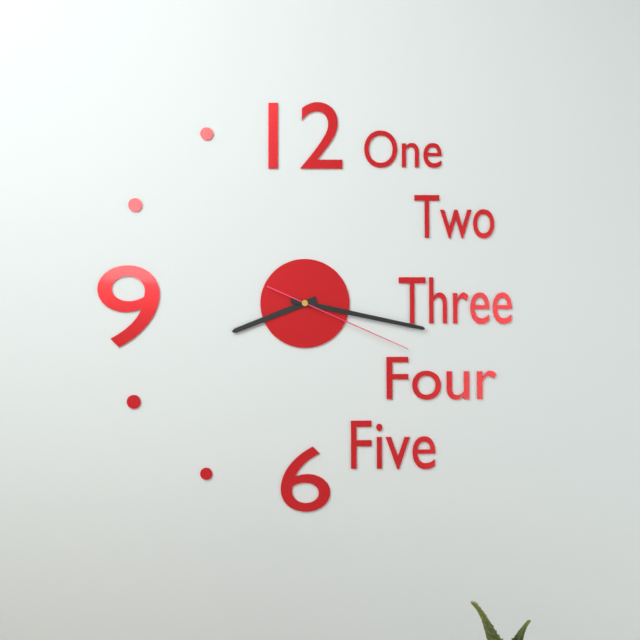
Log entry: 8h17m19s
